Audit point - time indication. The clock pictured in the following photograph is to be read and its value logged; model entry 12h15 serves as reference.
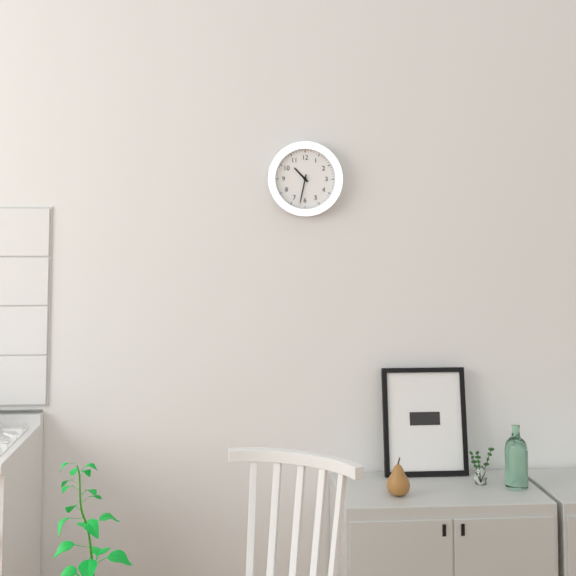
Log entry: 10h32
